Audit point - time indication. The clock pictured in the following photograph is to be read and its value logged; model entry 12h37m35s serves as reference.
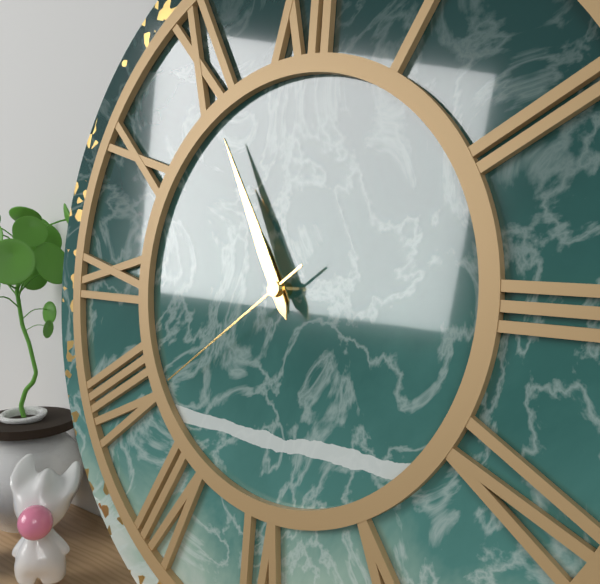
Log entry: 10h55m39s
